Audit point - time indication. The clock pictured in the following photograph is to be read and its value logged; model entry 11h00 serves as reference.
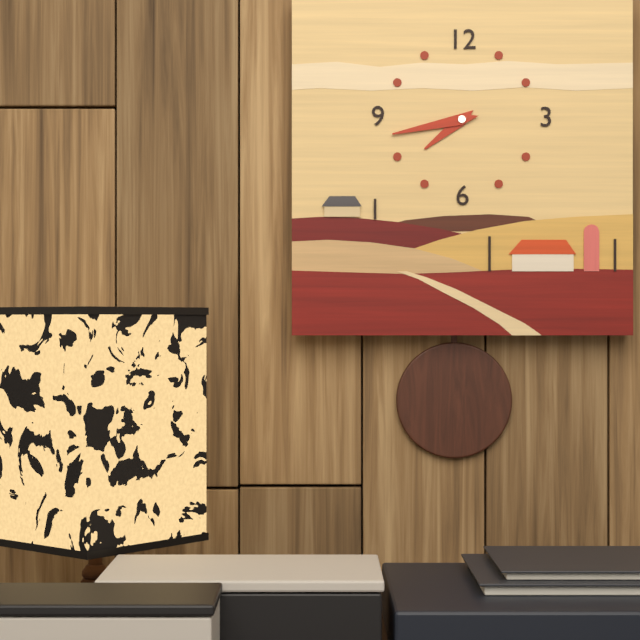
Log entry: 7h43
